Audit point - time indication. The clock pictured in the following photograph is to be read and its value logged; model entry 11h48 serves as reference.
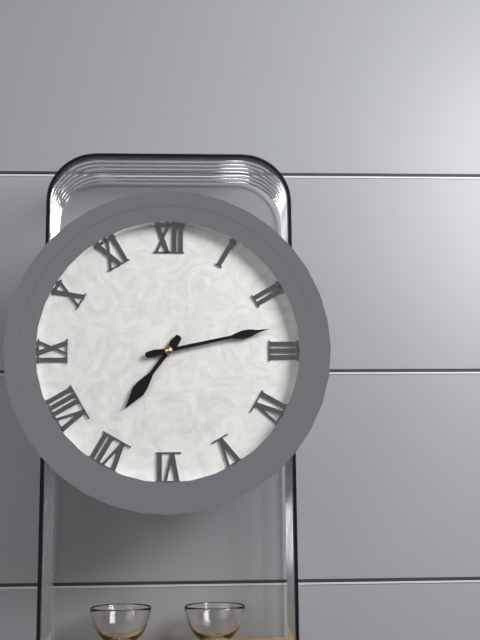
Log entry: 7h13
